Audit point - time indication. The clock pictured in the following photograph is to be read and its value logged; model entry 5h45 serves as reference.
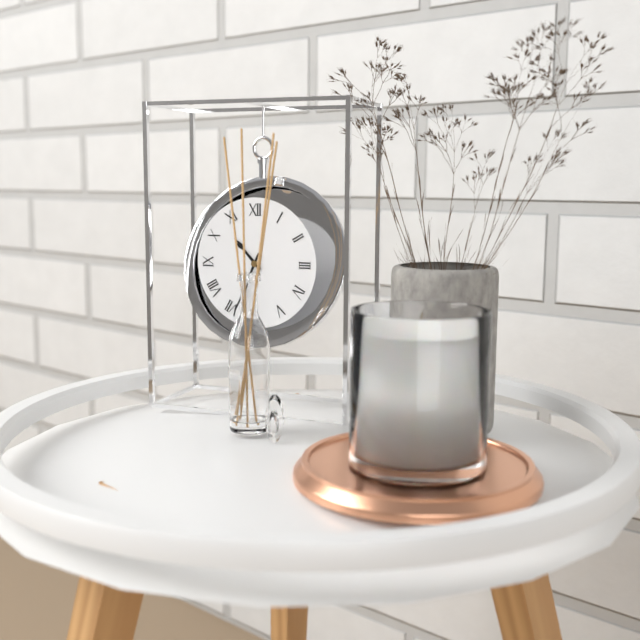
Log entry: 10h34
